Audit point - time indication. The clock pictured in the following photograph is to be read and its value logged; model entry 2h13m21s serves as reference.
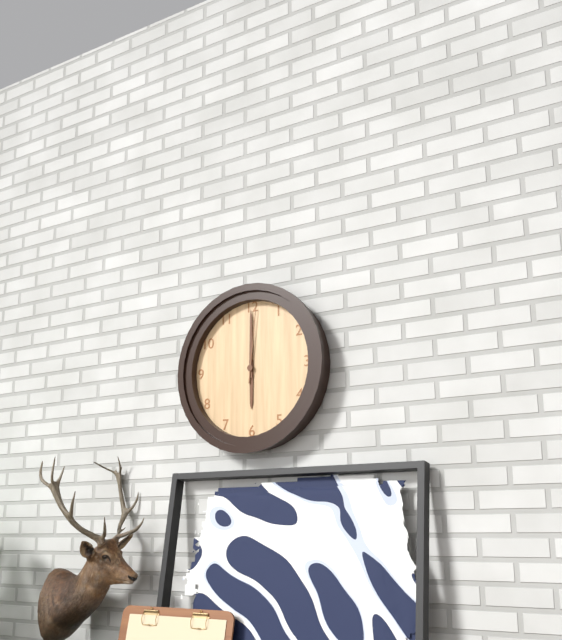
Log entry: 6h00m01s
